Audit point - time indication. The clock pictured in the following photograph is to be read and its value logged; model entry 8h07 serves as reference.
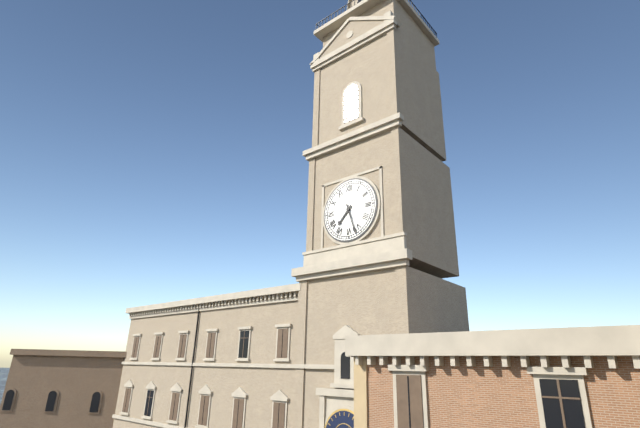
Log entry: 7h27
